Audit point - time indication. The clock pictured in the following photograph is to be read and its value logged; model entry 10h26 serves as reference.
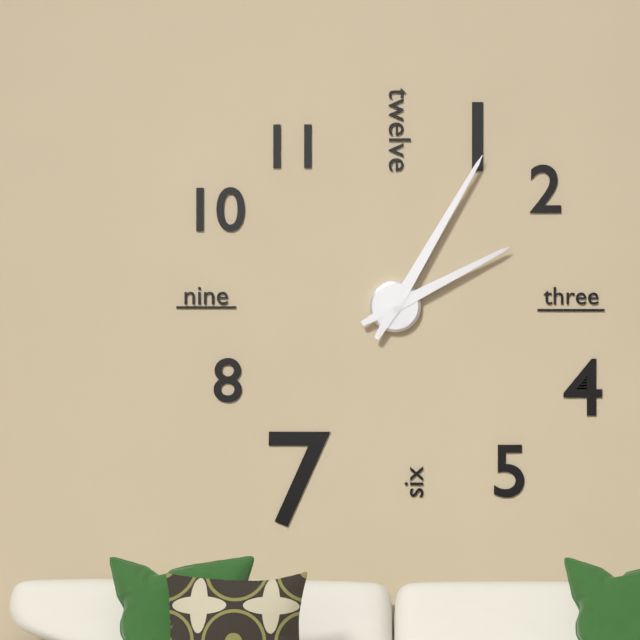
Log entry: 2h05
